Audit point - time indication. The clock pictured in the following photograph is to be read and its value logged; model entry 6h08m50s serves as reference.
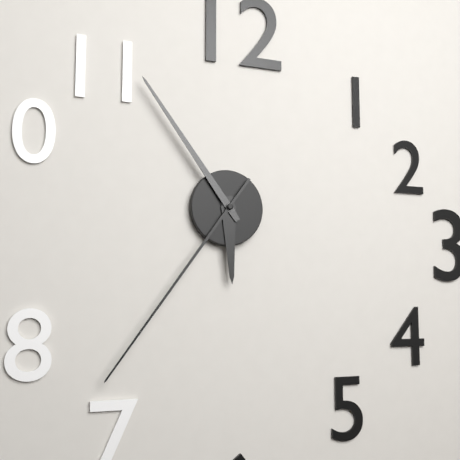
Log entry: 5h54m36s
